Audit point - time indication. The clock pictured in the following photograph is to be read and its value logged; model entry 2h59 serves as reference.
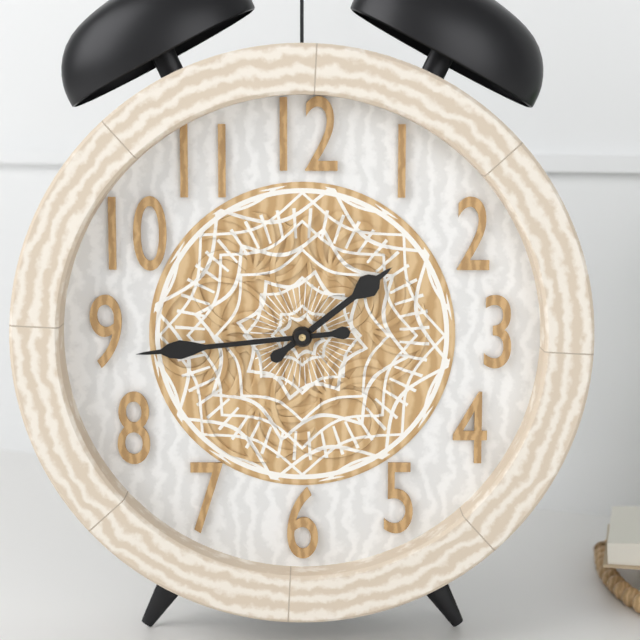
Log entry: 1h44
